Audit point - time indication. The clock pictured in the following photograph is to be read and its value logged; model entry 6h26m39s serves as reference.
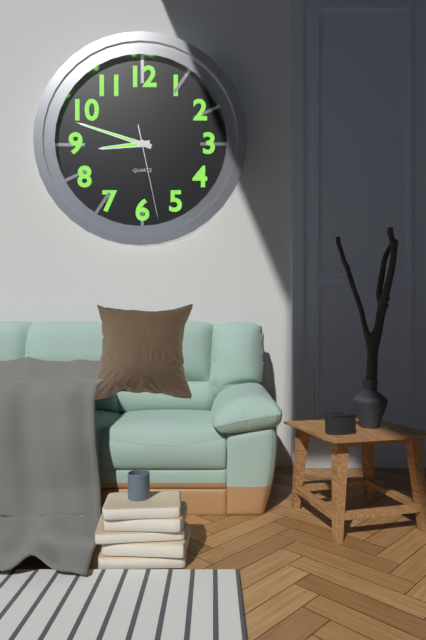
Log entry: 8h48m28s
